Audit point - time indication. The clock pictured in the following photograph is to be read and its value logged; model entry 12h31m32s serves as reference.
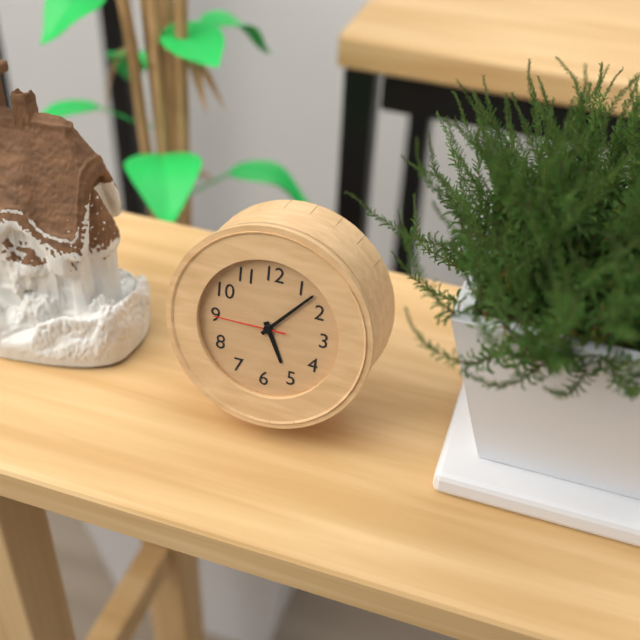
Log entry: 5h07m45s
